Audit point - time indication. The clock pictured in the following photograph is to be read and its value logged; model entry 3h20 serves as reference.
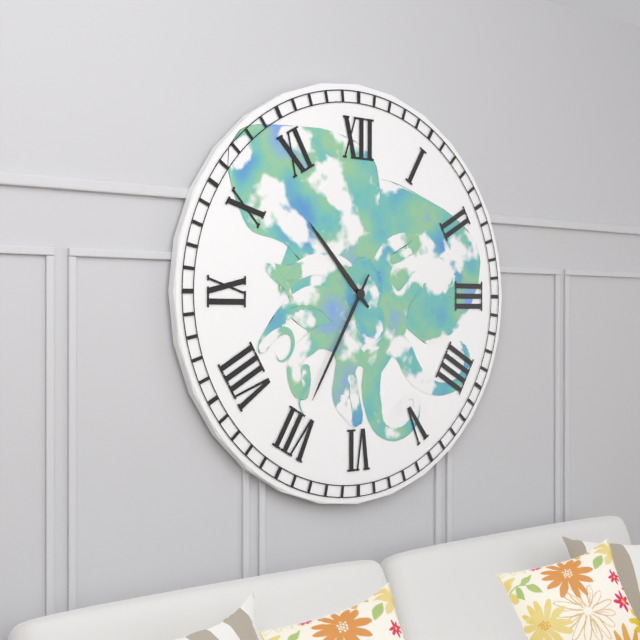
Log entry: 10h35
